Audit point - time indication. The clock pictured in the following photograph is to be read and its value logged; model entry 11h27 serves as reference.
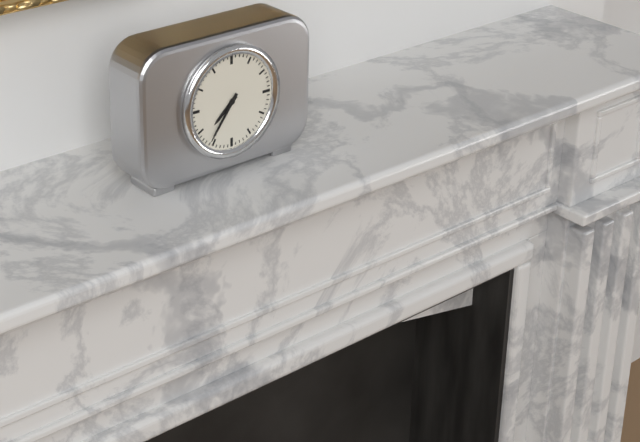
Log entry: 7h36
